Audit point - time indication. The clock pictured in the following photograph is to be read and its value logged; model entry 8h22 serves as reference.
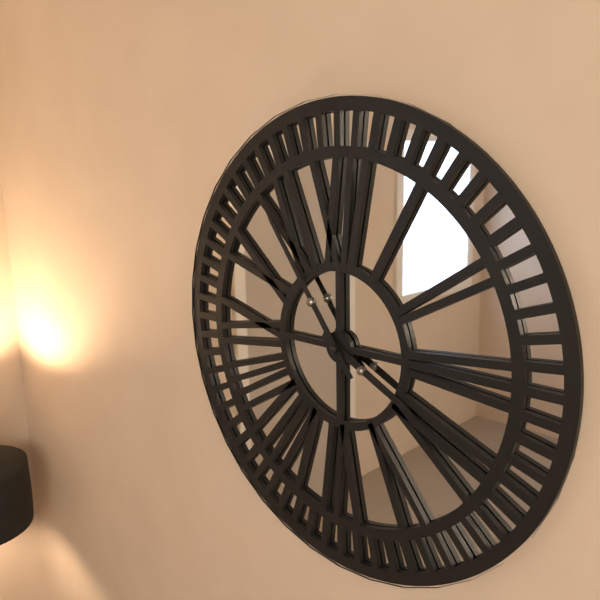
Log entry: 3h54
